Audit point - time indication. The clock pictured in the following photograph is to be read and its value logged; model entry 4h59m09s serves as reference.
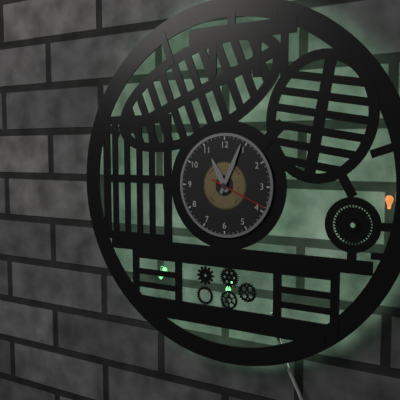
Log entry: 11h04m19s
